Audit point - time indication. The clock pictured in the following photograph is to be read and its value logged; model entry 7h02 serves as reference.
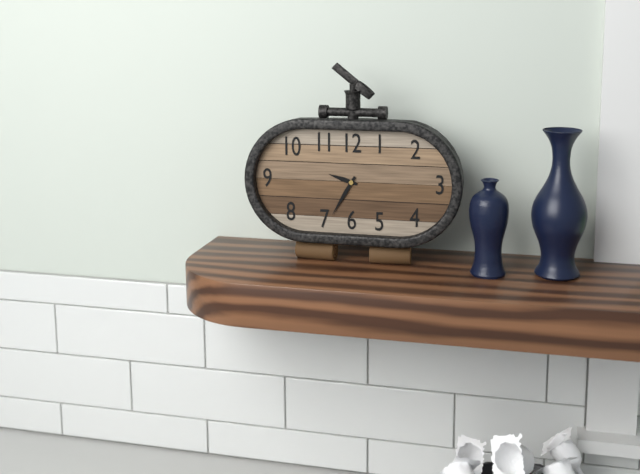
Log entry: 9h35
